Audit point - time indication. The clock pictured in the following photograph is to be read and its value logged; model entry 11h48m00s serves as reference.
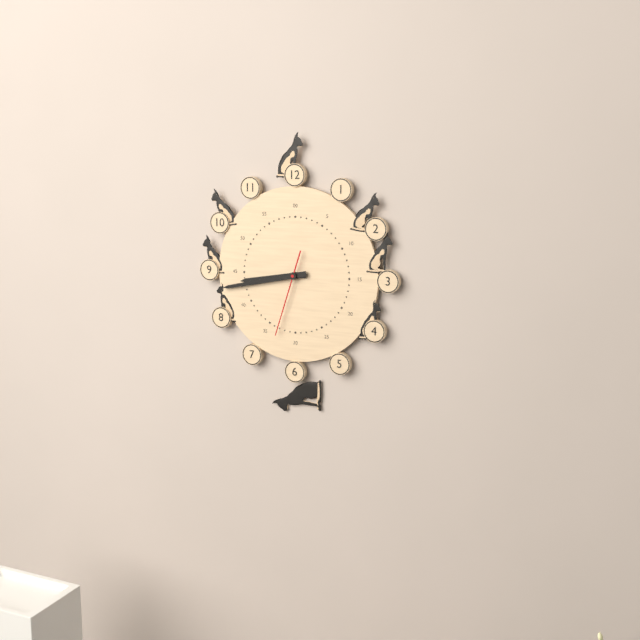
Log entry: 8h43m33s
